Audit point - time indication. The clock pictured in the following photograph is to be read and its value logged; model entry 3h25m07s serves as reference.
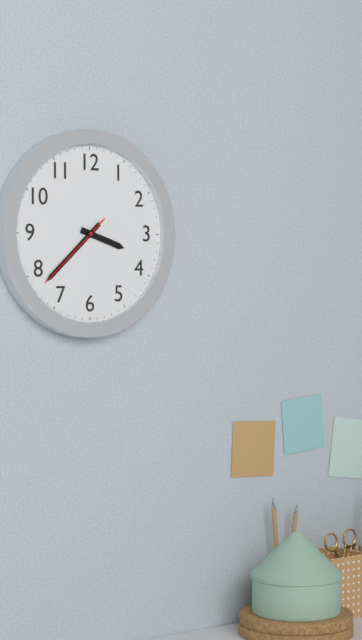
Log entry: 3h38m38s
